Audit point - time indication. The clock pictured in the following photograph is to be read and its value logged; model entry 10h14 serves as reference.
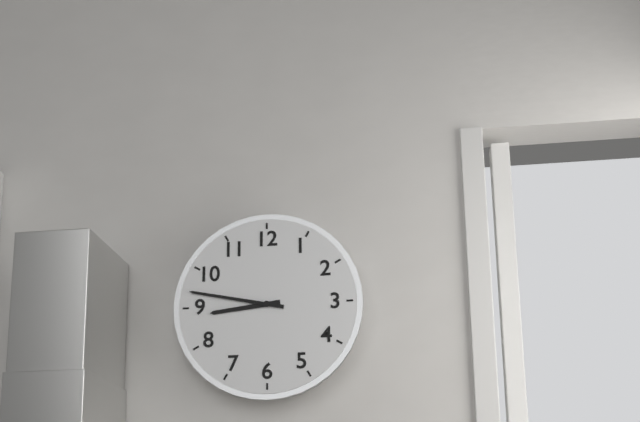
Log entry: 8h47
